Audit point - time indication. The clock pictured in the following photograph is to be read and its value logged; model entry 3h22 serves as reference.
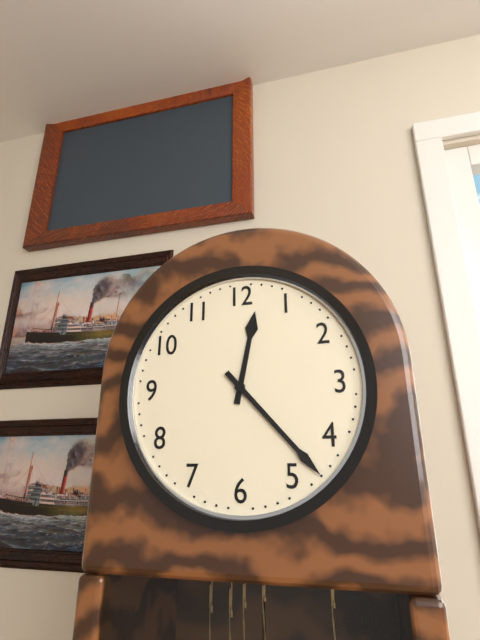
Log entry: 12h23
